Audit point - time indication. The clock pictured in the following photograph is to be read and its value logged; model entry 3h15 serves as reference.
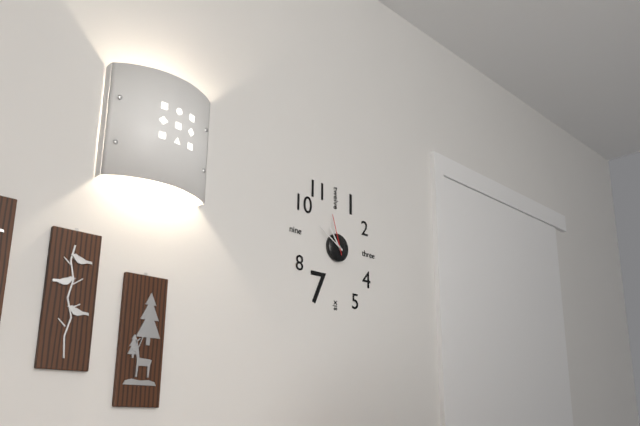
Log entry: 10h50
